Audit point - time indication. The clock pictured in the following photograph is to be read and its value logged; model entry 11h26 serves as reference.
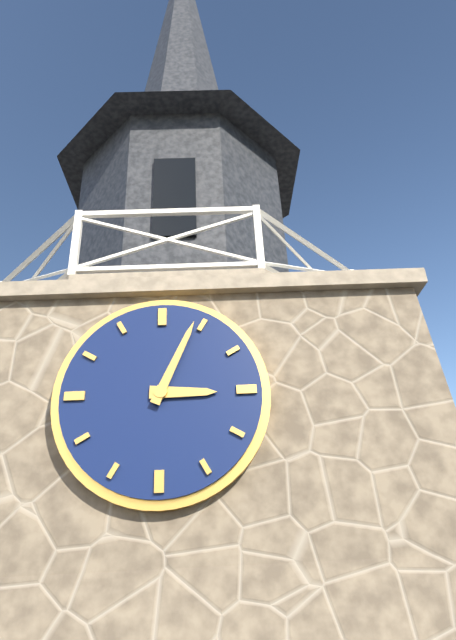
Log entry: 3h04
